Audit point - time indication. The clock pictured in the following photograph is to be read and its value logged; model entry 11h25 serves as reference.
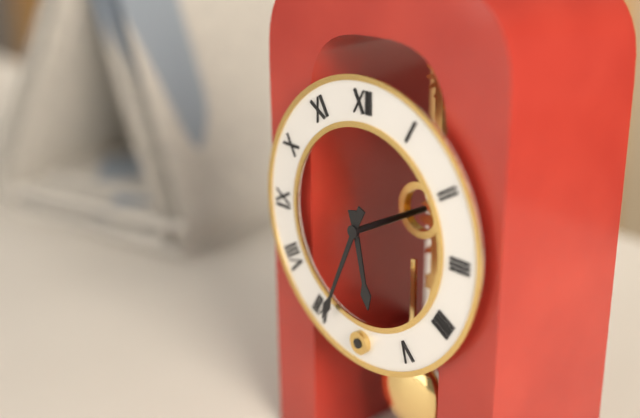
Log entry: 5h34
